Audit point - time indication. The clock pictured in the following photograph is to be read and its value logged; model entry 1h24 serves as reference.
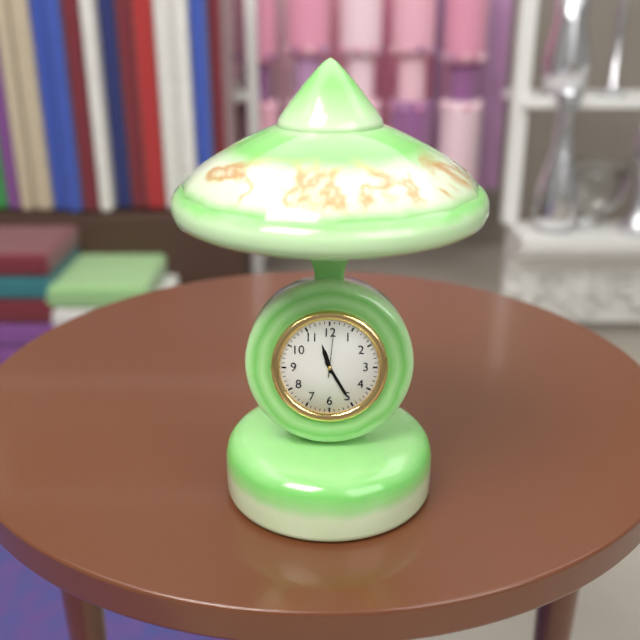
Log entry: 11h25
